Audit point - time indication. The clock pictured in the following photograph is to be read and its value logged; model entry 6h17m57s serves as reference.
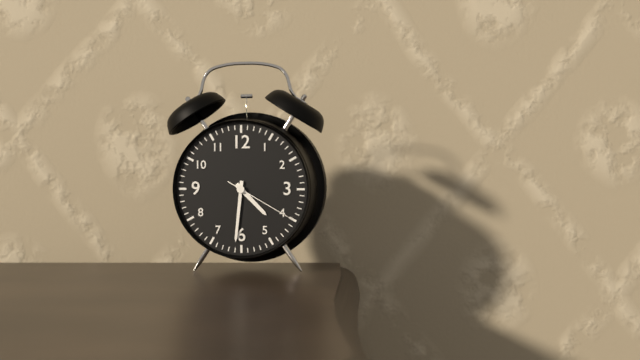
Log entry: 4h31m20s
